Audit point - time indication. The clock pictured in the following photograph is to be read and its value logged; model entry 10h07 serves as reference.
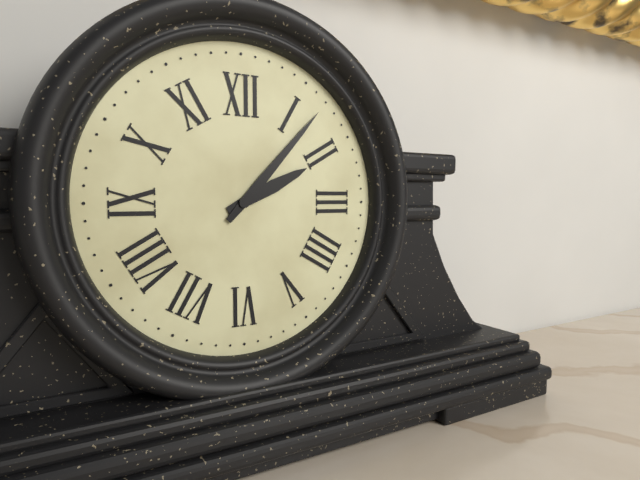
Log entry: 2h07
